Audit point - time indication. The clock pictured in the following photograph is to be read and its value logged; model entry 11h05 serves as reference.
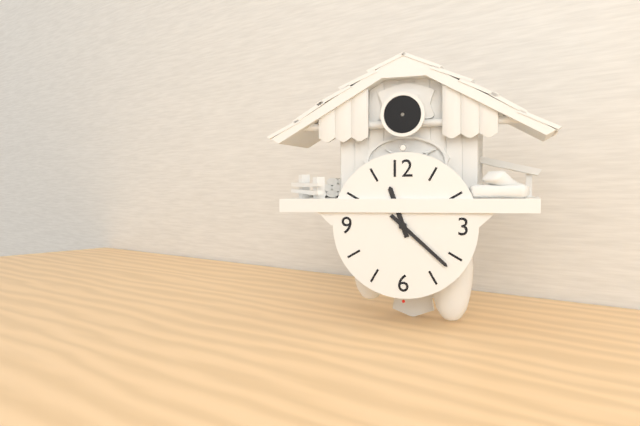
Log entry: 11h22
